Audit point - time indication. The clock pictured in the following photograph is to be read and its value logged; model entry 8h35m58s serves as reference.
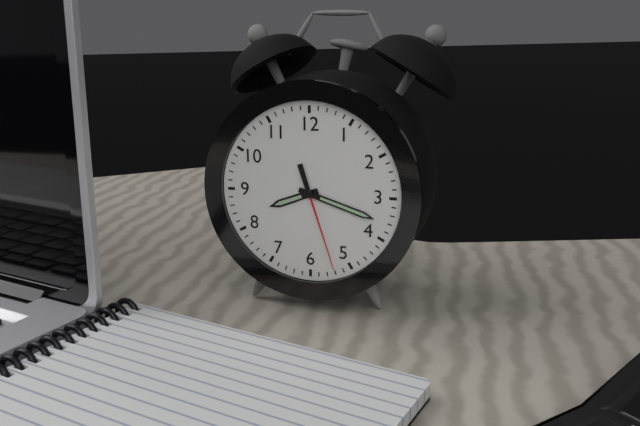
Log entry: 8h18m27s
